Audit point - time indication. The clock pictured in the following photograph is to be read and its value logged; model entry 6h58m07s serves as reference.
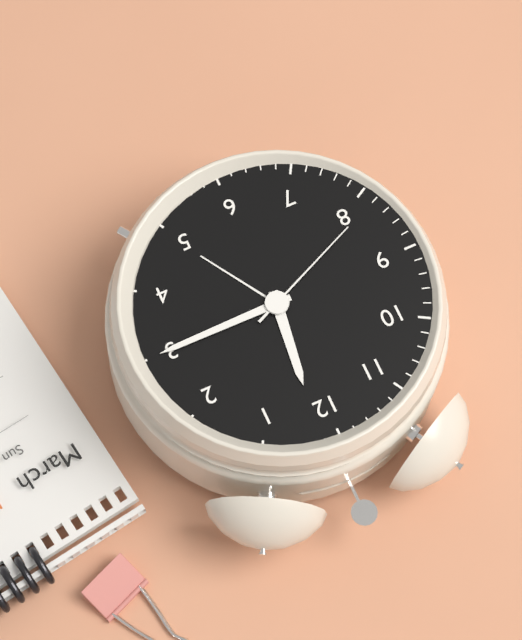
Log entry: 12h15m41s
